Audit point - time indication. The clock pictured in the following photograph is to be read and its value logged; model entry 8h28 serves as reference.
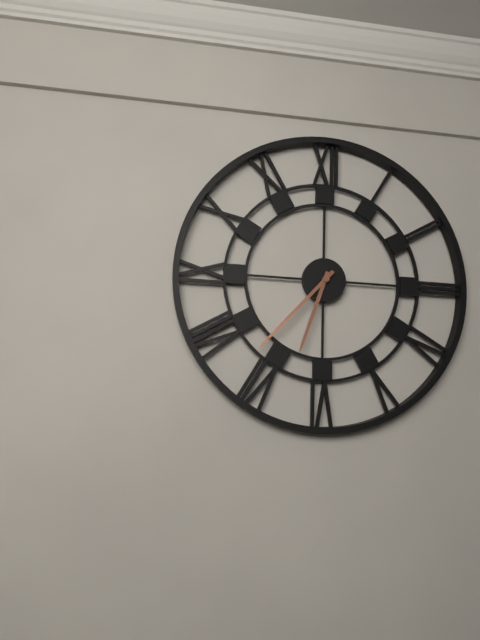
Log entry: 6h37
